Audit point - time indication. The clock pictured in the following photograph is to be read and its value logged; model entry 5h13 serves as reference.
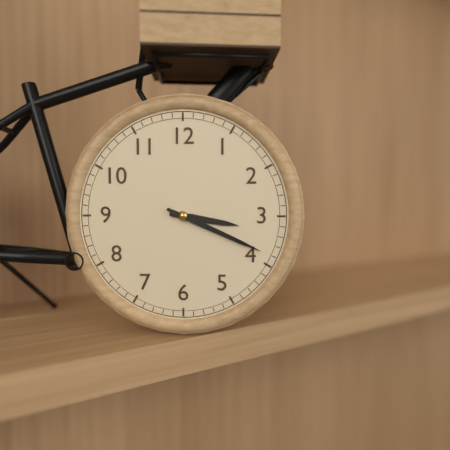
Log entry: 3h19
